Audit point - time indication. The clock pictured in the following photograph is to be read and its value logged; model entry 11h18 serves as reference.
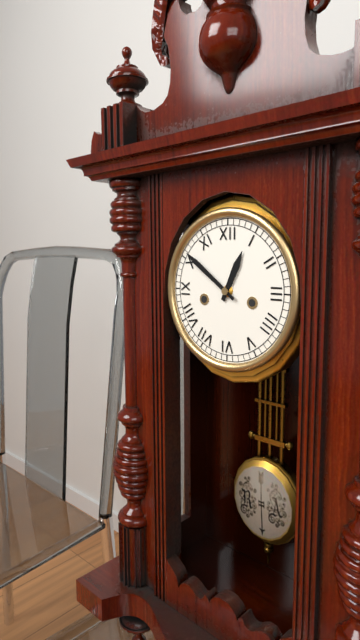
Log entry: 12h51
